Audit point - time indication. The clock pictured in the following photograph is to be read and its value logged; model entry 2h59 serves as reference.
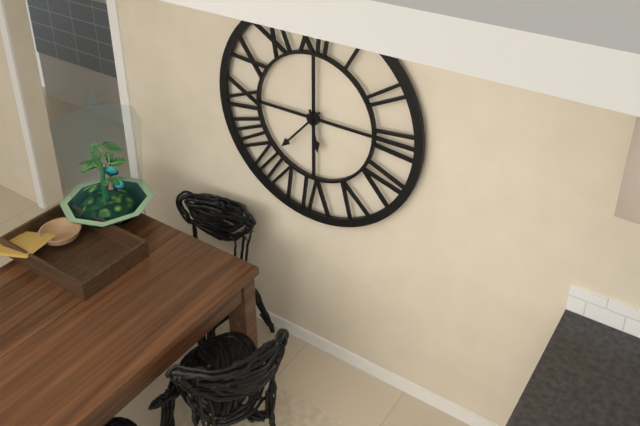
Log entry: 5h37
